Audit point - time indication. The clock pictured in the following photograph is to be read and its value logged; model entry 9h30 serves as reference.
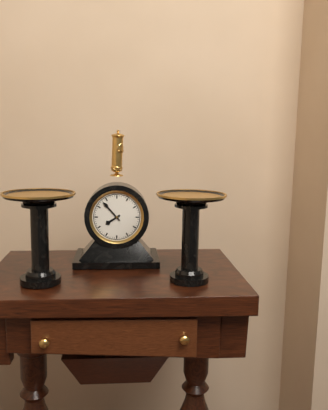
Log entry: 7h53
